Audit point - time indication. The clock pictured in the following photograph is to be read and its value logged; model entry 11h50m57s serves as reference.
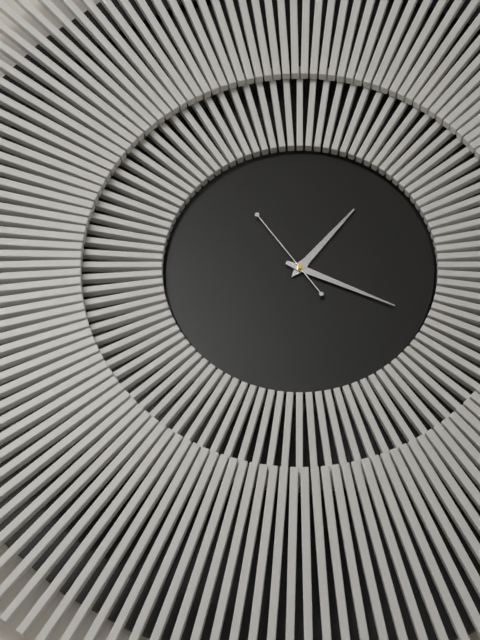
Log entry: 1h19m54s
